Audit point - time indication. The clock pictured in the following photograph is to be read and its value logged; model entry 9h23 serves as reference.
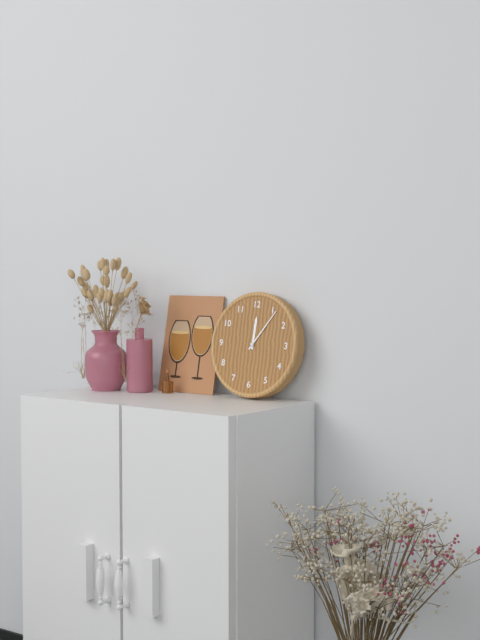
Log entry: 12h06
